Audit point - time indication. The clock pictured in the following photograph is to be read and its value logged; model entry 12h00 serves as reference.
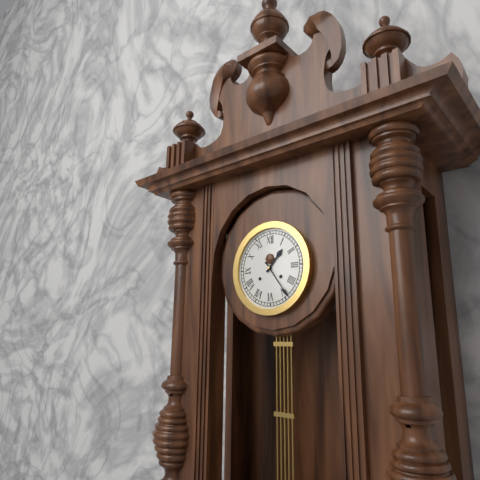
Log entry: 1h24
